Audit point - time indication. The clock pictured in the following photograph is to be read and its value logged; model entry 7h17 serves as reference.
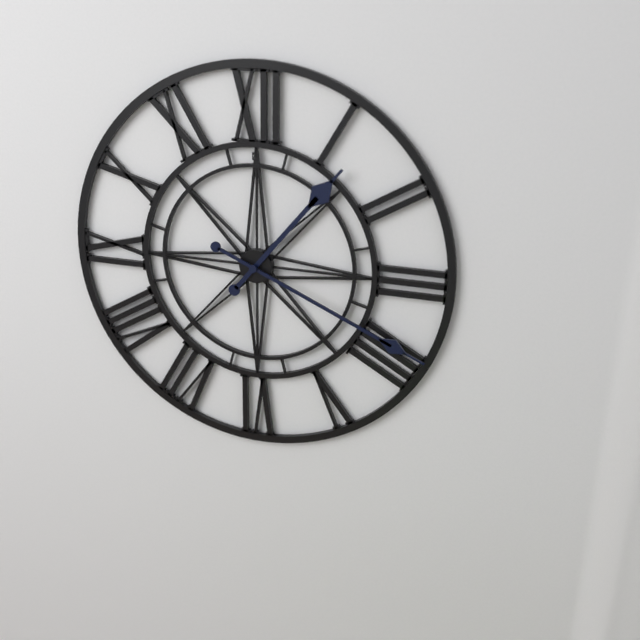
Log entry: 1h19
